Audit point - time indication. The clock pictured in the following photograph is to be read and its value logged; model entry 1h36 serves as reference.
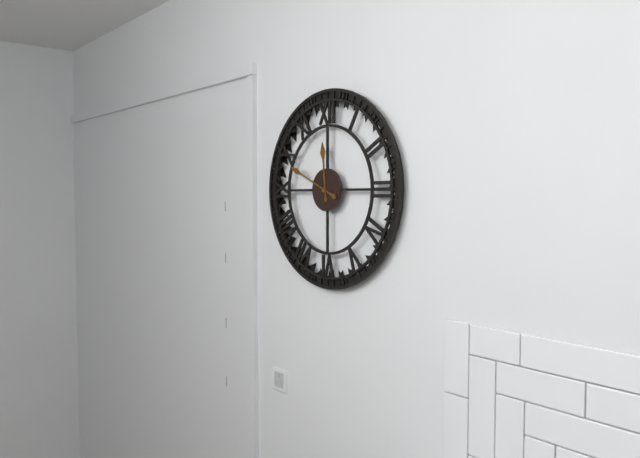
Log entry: 11h49
